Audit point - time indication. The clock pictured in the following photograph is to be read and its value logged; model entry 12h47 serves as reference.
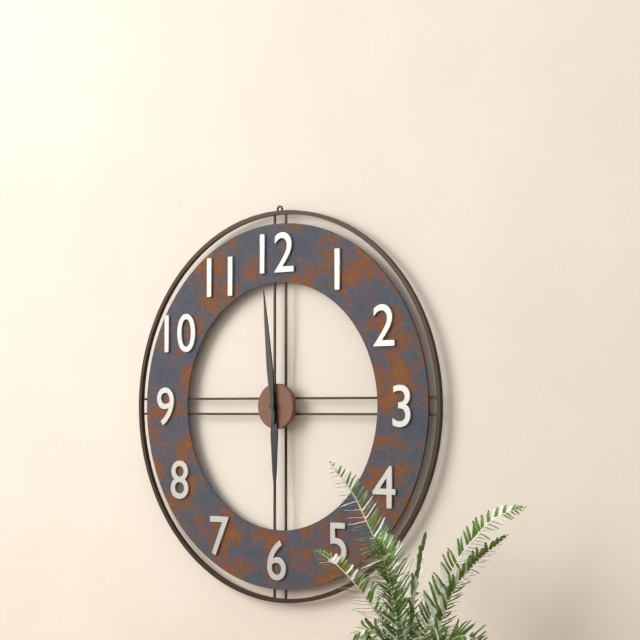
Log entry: 5h59
